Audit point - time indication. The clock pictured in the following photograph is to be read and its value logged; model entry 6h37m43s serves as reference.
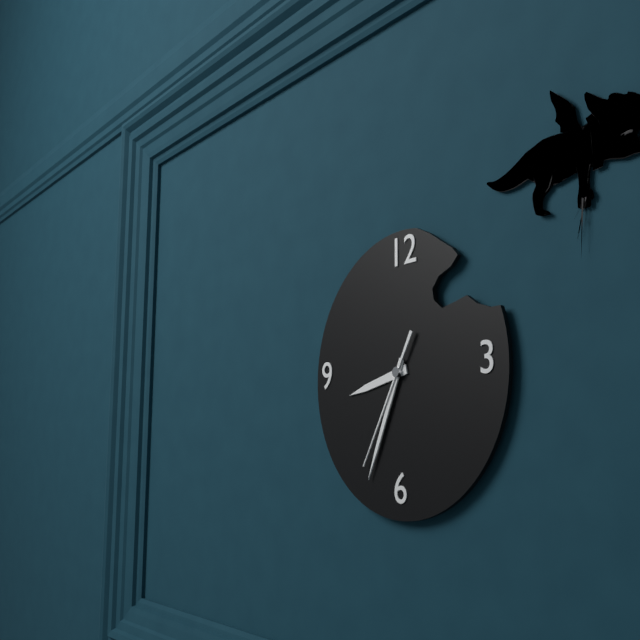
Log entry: 8h34m35s
